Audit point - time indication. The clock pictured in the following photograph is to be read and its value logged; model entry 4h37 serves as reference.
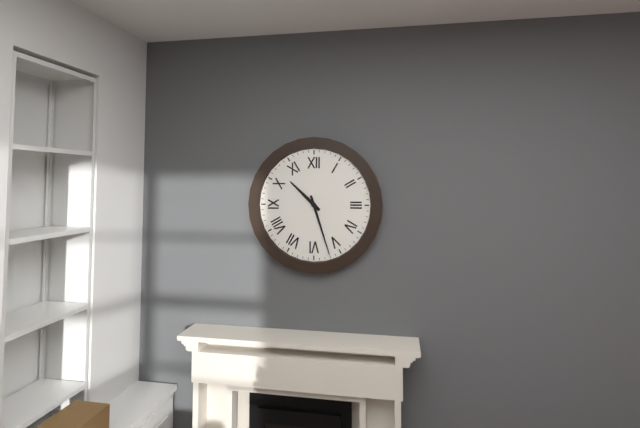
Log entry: 10h27
